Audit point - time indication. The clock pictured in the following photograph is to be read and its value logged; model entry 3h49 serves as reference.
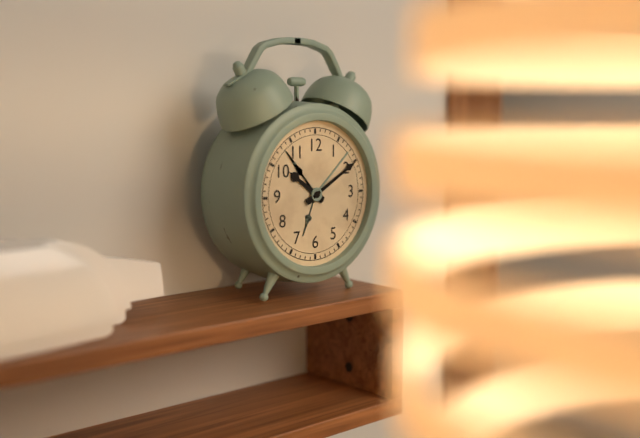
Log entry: 10h10
